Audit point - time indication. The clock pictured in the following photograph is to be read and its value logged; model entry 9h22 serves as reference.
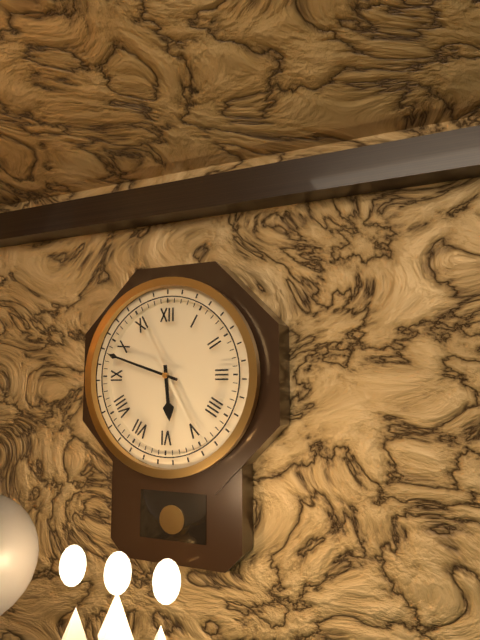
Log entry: 5h48
